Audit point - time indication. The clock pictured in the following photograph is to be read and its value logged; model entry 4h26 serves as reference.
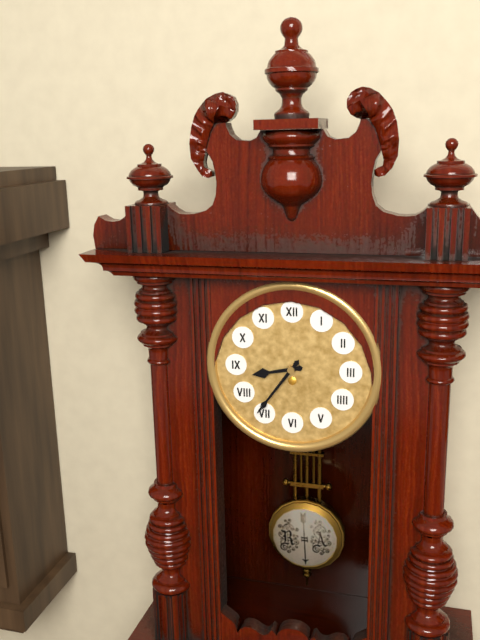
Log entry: 8h36
